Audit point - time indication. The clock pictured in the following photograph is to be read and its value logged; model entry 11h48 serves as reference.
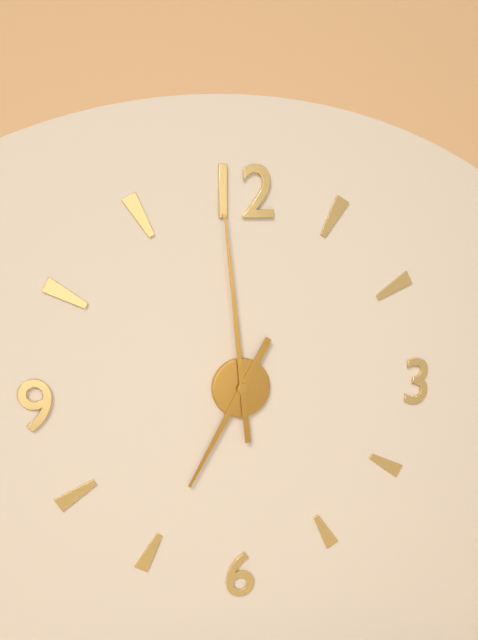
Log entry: 6h59
